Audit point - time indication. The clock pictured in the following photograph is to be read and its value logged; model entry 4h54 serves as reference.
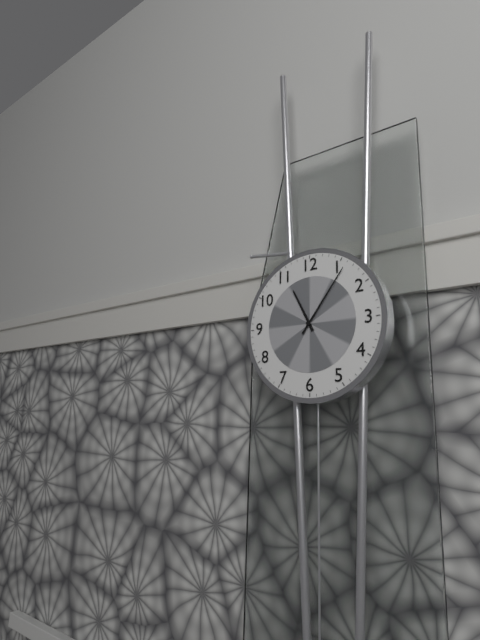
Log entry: 11h06
